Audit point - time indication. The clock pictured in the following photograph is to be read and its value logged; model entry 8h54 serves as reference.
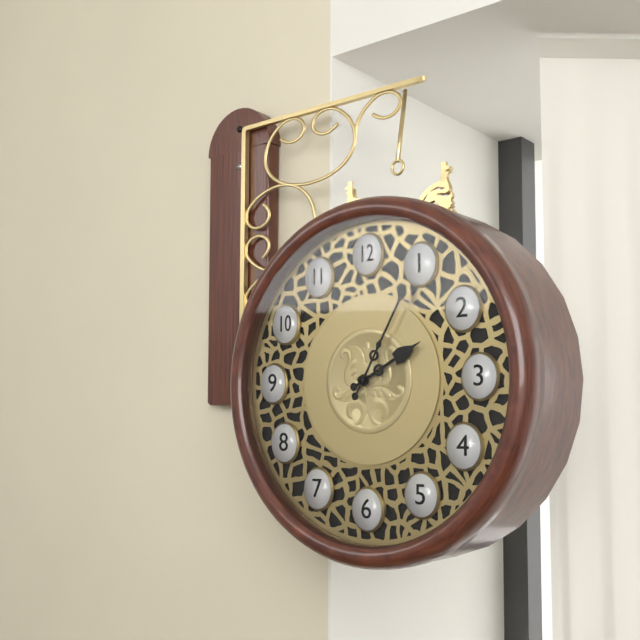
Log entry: 2h05
